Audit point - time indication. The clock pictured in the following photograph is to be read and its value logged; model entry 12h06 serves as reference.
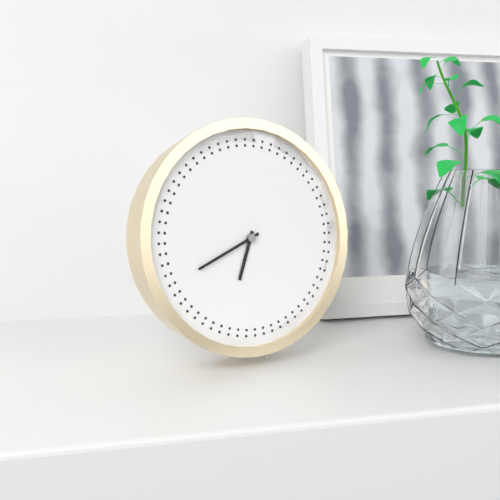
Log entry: 6h41
